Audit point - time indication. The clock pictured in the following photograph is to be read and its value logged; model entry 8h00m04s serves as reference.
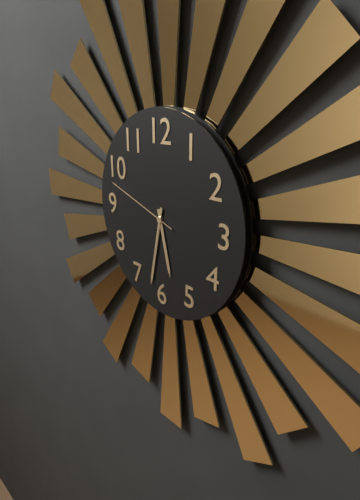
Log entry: 5h32m48s
